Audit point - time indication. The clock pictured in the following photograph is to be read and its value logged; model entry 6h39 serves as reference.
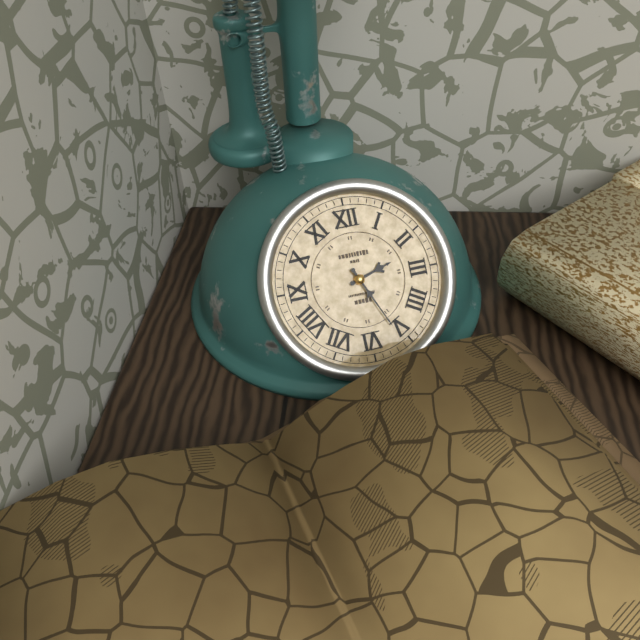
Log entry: 2h26
